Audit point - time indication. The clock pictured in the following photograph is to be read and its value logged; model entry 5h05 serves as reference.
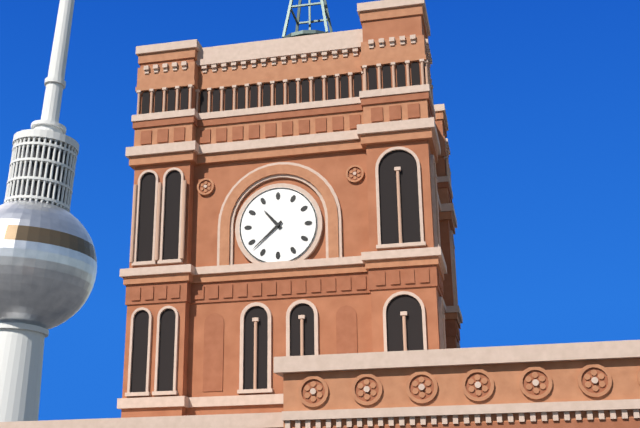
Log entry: 10h38
